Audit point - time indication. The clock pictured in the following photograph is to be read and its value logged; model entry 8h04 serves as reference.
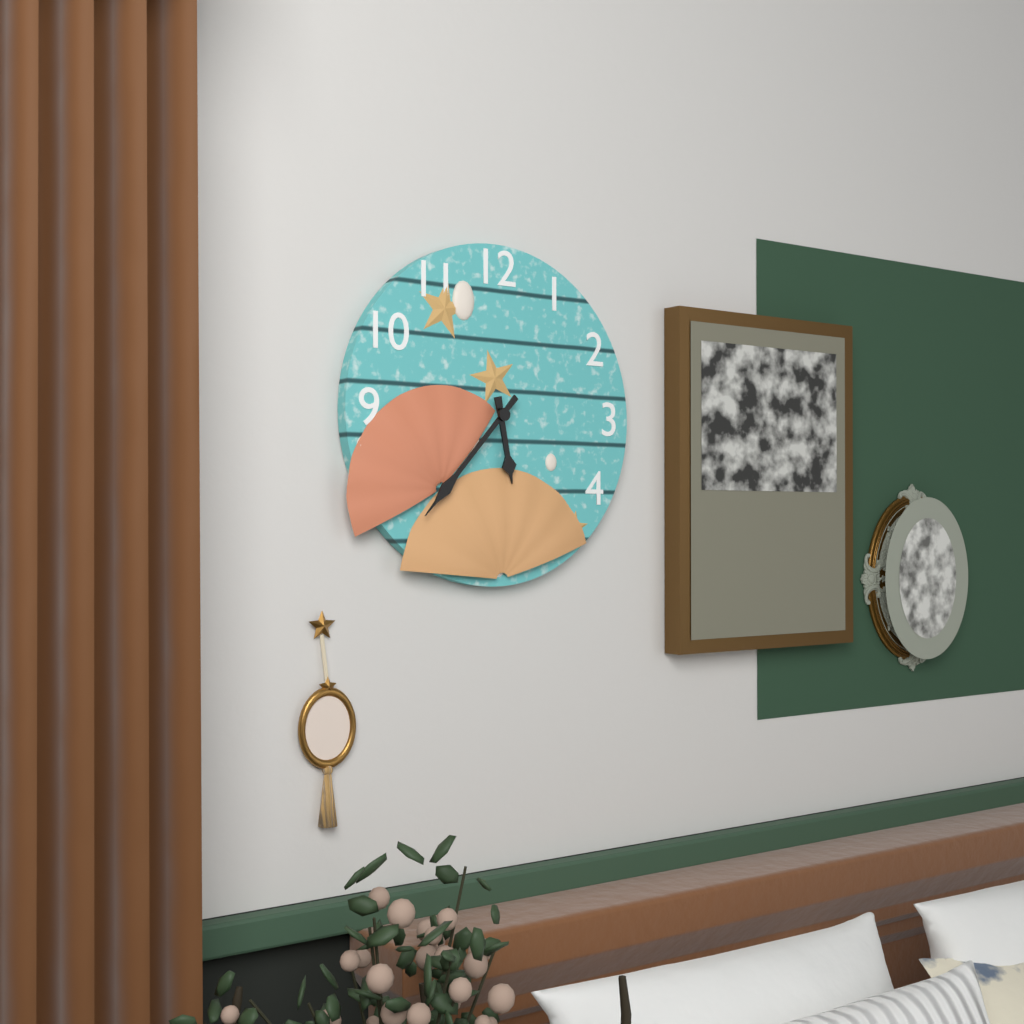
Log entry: 5h37
